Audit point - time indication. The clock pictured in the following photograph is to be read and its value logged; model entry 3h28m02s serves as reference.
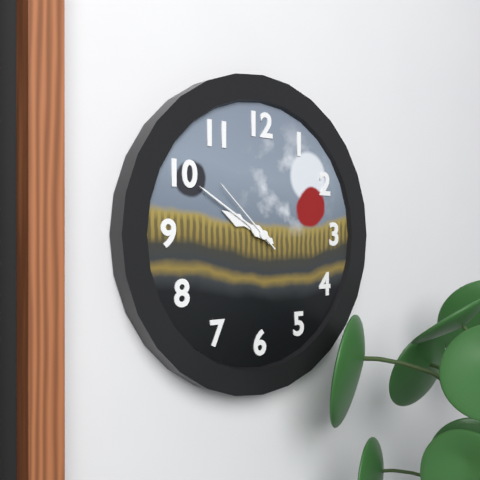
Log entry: 9h50m52s
